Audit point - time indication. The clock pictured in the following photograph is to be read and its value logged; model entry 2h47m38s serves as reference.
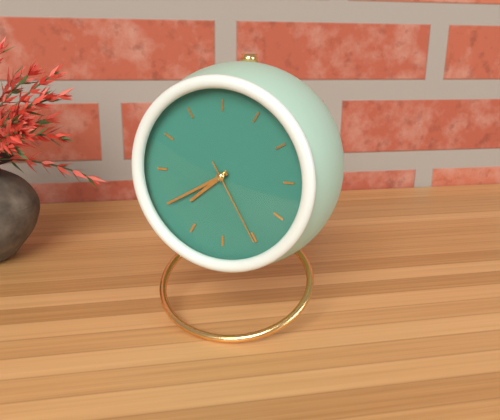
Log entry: 7h40m25s
